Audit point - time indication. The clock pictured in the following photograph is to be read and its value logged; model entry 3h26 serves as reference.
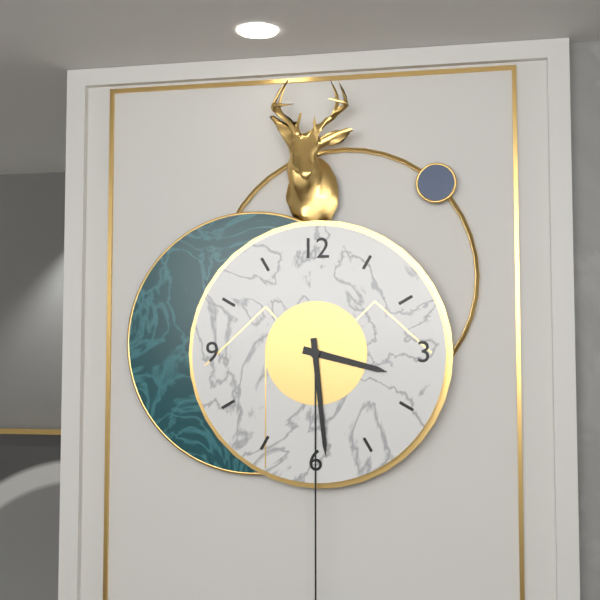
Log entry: 3h29
